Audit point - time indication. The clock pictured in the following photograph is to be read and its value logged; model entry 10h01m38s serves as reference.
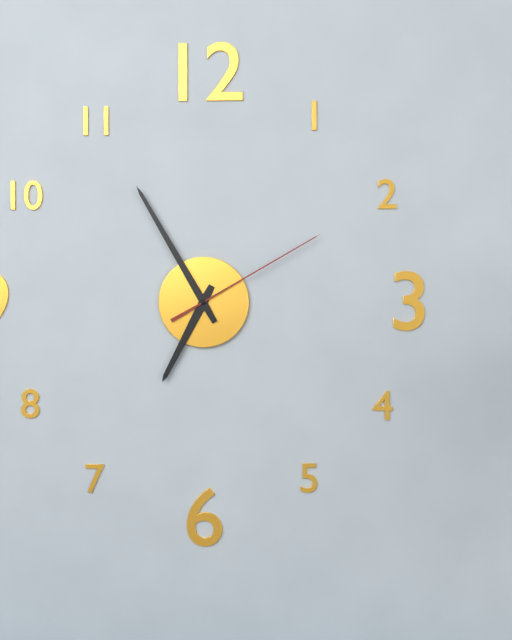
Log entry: 6h55m10s
